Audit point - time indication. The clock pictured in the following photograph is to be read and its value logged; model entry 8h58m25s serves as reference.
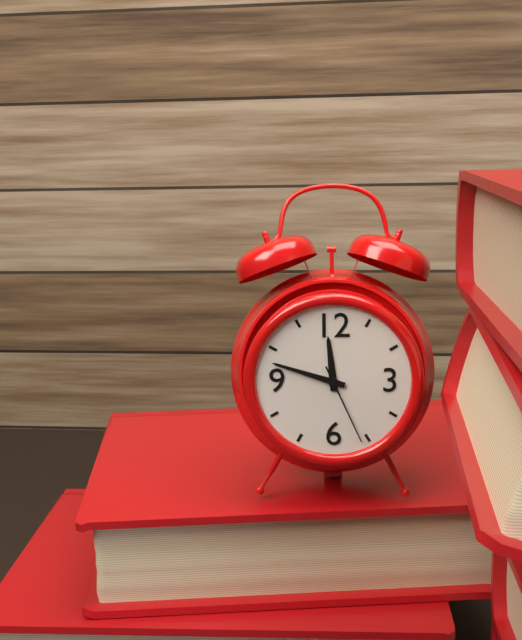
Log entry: 11h48m26s
